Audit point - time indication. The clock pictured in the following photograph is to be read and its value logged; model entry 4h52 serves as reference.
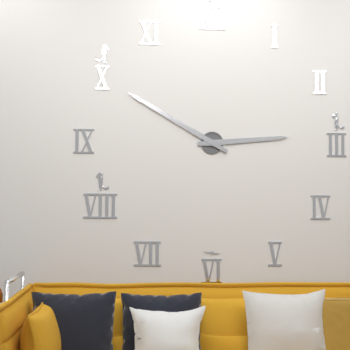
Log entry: 2h50
